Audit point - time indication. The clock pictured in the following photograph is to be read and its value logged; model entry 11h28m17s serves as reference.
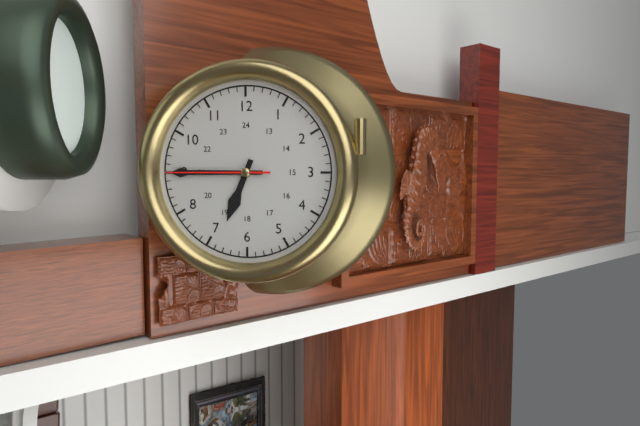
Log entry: 6h45m45s
